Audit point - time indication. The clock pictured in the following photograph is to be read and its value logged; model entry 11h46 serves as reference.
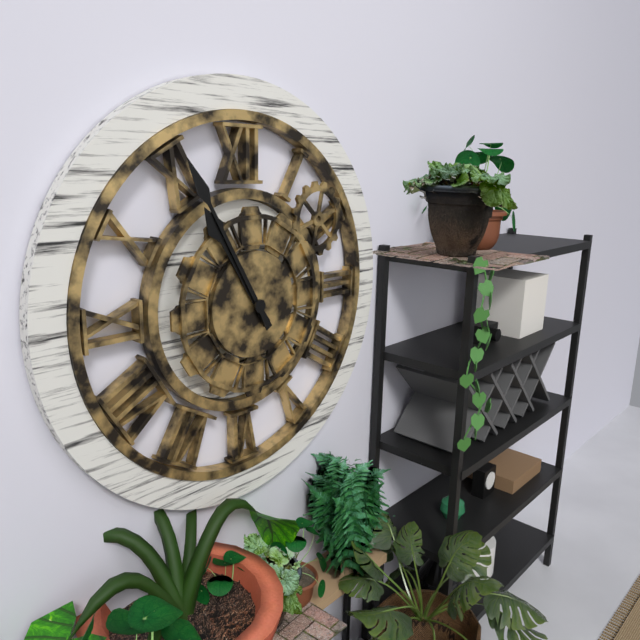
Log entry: 10h55
